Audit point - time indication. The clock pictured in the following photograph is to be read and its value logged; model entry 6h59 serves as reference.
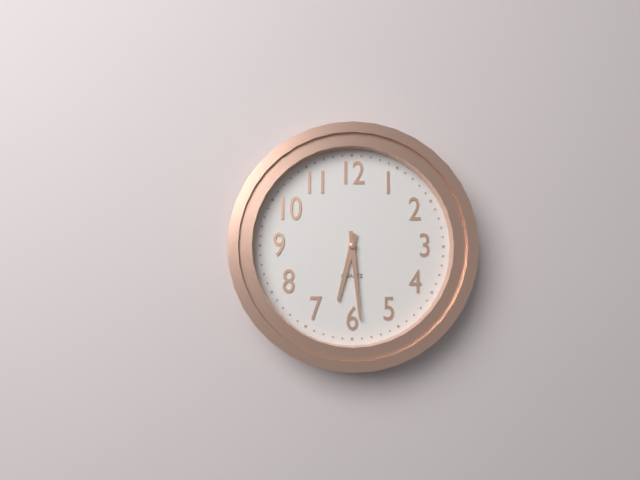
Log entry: 6h29
